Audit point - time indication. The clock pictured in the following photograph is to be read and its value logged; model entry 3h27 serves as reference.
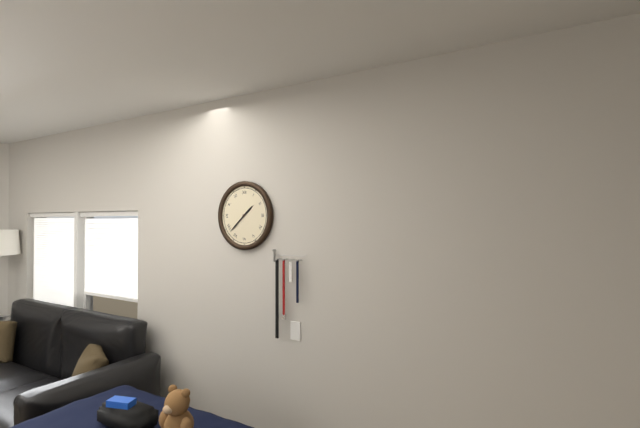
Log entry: 1h38
